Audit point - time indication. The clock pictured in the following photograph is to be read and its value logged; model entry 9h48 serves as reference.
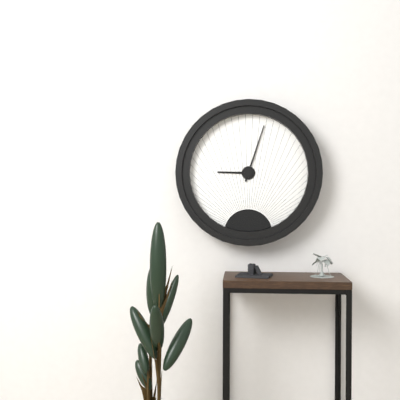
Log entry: 9h03
